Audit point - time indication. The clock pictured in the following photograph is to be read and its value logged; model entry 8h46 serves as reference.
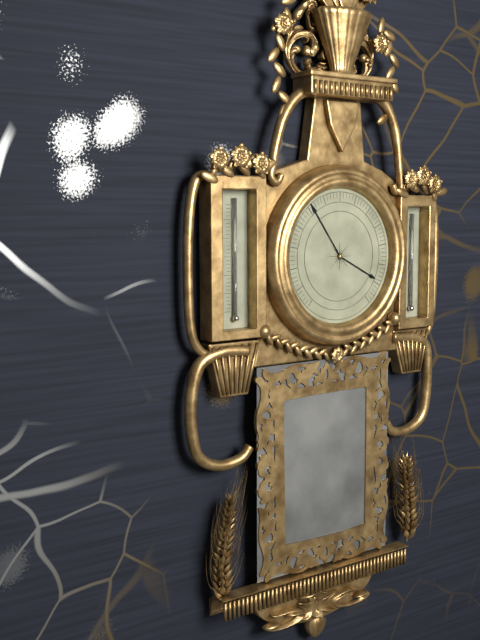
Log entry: 3h54
